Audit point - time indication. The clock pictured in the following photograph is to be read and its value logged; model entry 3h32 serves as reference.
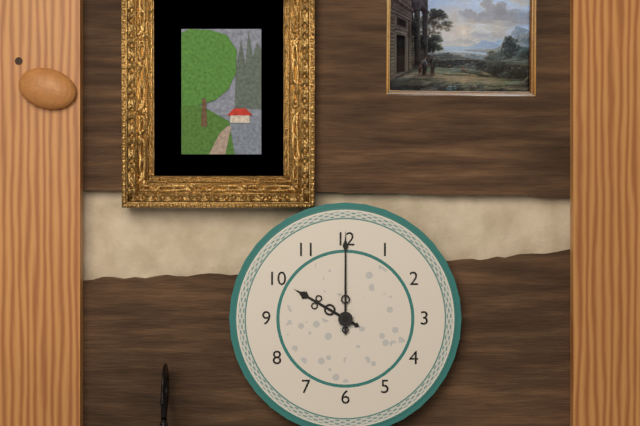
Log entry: 10h00
